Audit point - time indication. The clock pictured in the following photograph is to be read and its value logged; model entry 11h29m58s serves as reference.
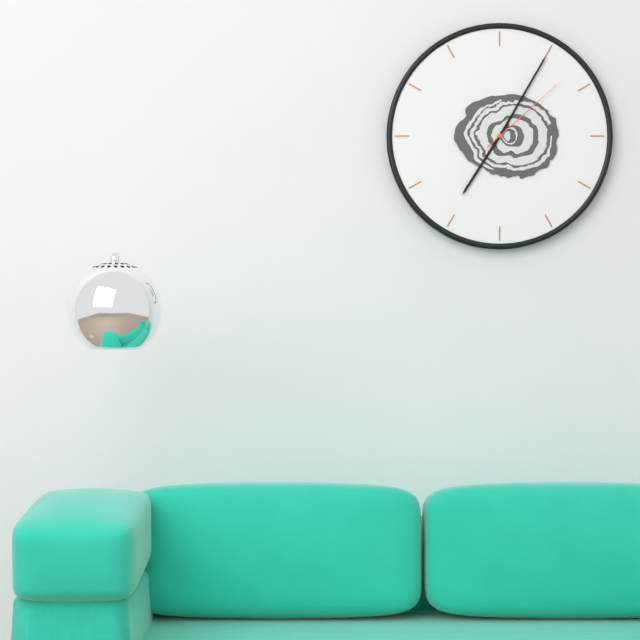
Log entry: 7h05m08s
